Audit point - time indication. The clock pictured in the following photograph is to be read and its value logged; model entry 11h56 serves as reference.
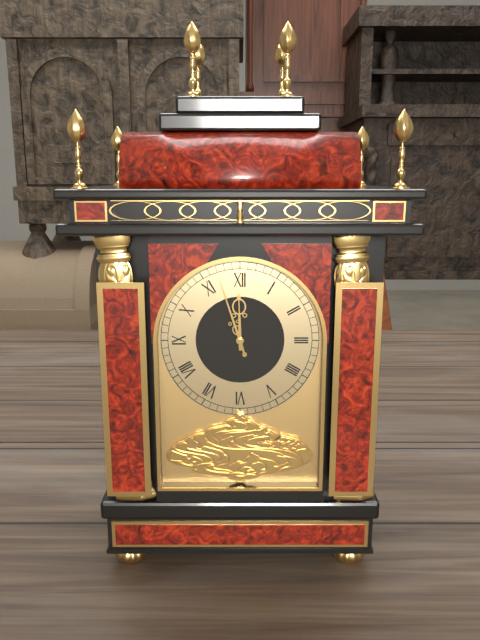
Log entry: 11h57
